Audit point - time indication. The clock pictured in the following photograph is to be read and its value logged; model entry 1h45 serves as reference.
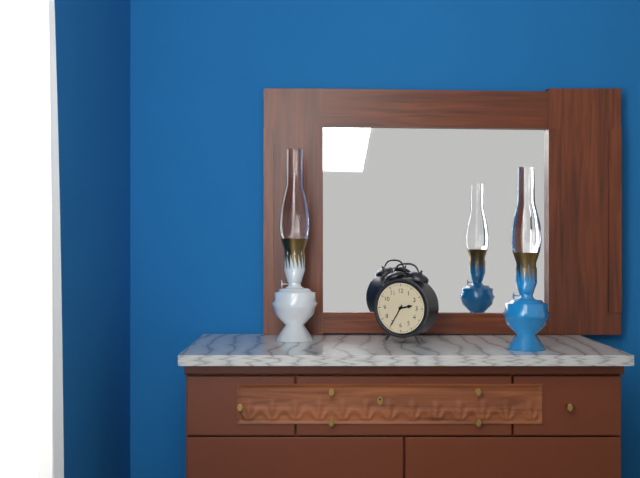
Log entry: 2h35
